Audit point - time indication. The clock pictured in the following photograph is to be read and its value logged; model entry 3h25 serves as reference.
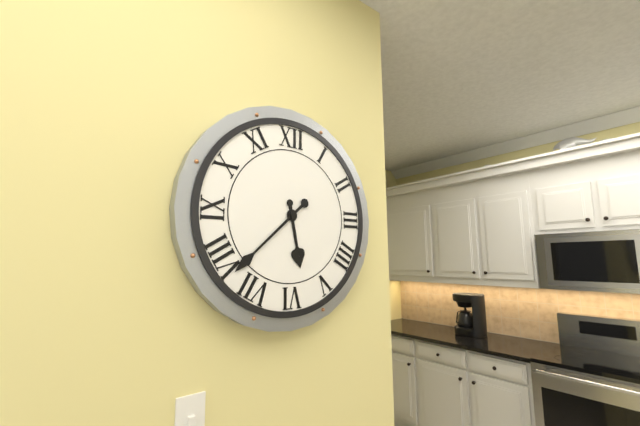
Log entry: 5h38
